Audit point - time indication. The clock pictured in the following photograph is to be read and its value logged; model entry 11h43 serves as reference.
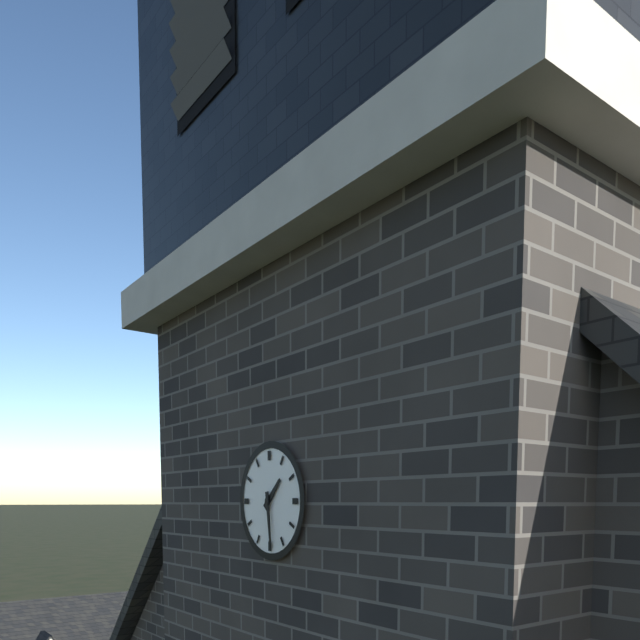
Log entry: 1h29
